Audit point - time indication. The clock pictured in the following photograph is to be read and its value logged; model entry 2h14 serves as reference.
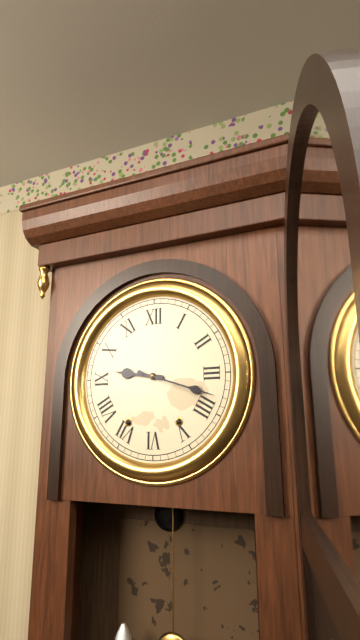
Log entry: 9h18
